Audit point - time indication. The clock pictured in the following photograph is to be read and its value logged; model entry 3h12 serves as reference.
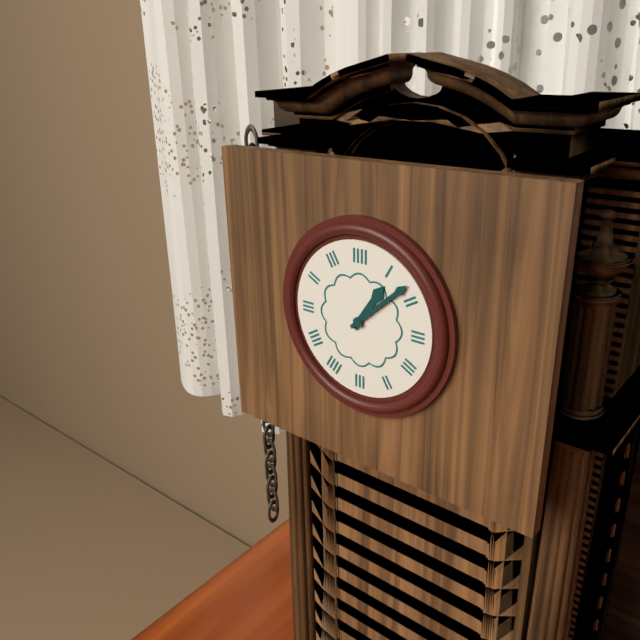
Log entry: 1h08
